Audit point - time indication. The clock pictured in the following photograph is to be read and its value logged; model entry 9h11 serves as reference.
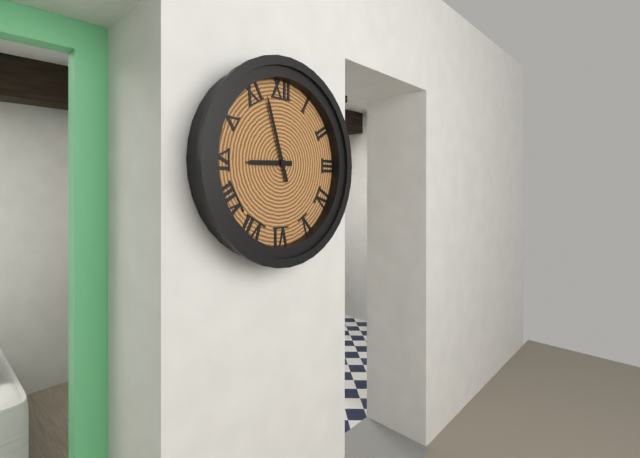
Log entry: 8h57
